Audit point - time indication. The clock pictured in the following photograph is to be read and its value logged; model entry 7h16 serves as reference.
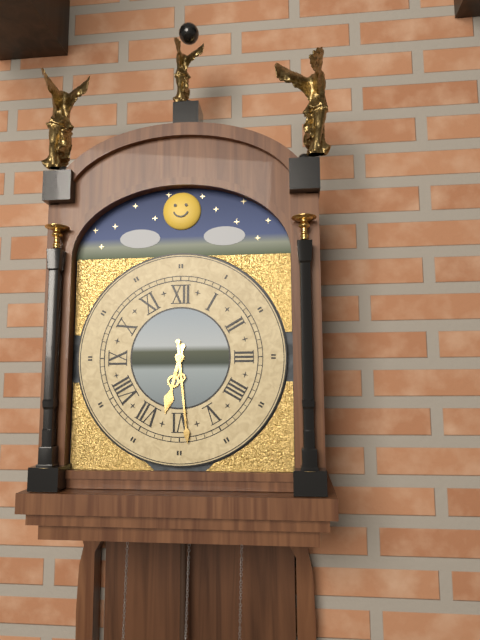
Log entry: 6h29
